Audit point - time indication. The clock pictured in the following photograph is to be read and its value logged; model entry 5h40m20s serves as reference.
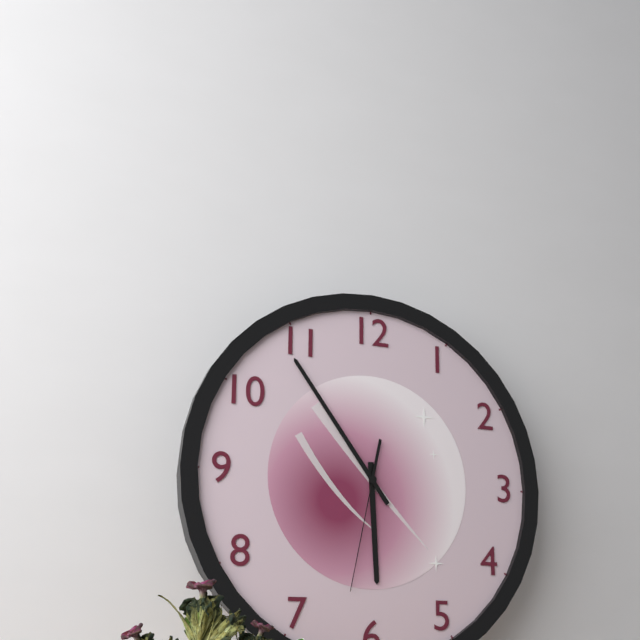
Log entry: 5h54m32s
